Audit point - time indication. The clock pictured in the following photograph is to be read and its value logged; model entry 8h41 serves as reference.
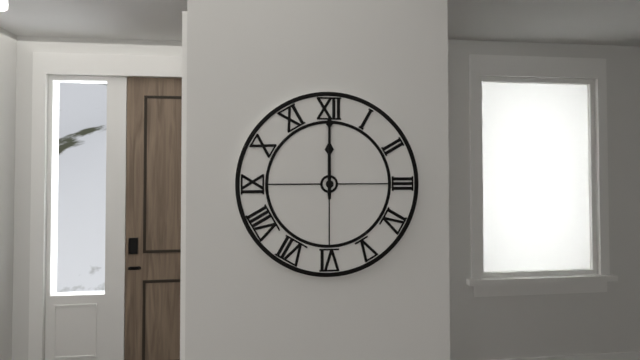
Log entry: 12h00
